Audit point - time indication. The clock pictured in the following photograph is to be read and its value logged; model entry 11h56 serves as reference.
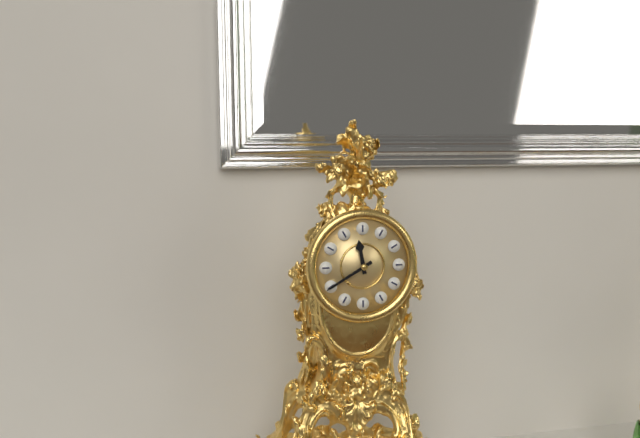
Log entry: 11h40
